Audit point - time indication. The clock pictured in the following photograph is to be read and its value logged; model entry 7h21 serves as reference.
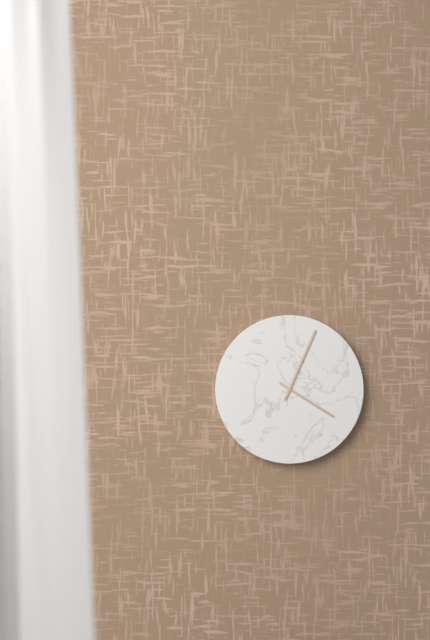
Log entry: 4h04
